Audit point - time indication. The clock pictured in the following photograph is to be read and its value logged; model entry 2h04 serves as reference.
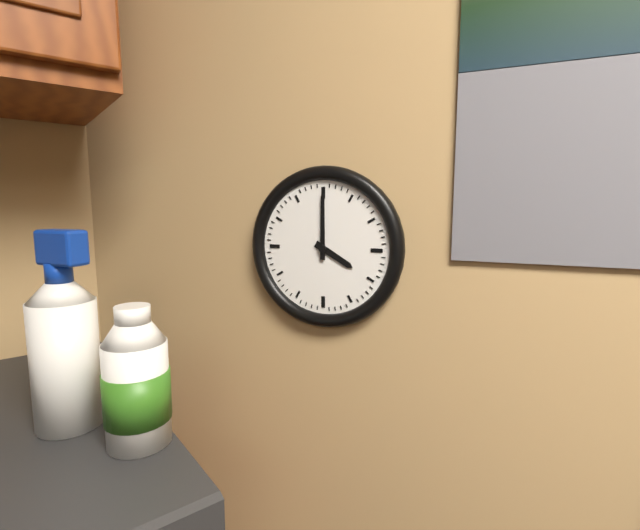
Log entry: 4h00
